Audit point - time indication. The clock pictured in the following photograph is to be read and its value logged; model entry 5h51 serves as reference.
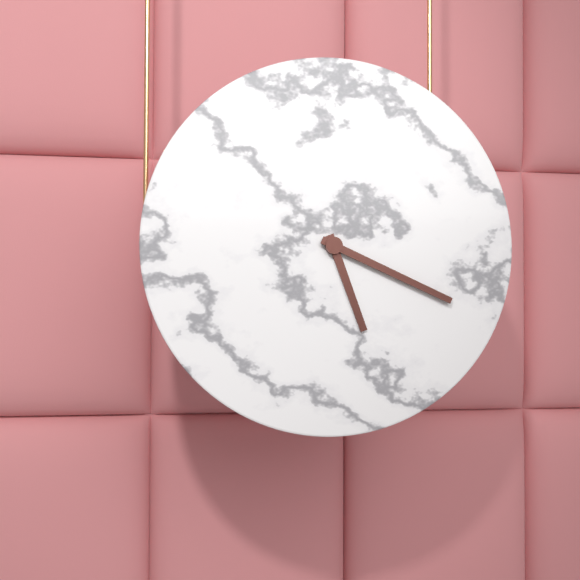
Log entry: 5h19
